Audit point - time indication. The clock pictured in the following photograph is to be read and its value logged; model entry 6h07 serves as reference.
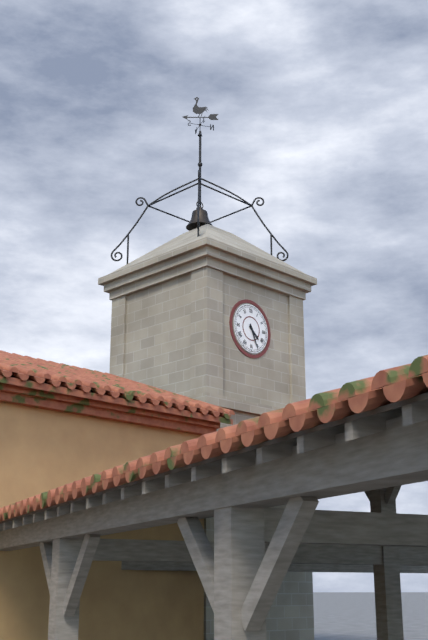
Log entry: 4h26
